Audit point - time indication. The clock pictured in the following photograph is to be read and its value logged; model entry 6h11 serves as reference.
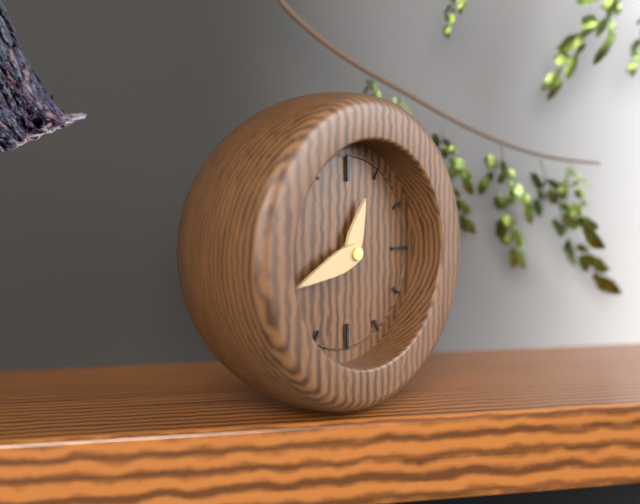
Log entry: 12h42
